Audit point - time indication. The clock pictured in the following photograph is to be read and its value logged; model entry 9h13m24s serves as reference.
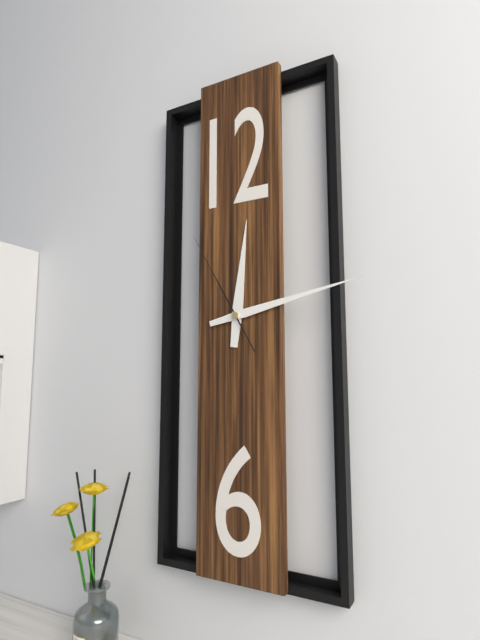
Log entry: 12h13m55s
